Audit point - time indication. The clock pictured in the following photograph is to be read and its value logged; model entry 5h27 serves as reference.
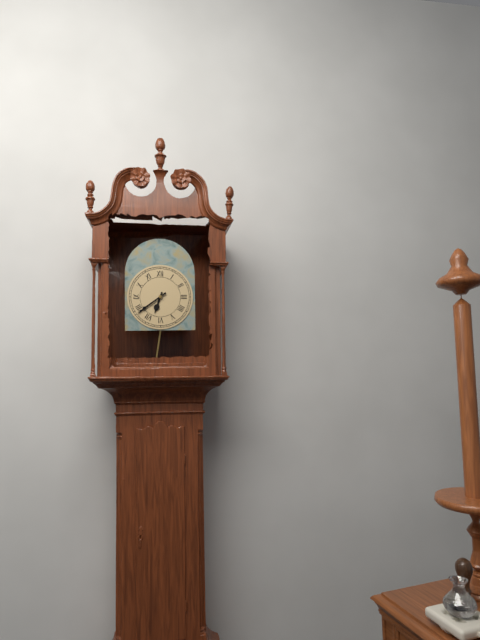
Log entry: 6h39
